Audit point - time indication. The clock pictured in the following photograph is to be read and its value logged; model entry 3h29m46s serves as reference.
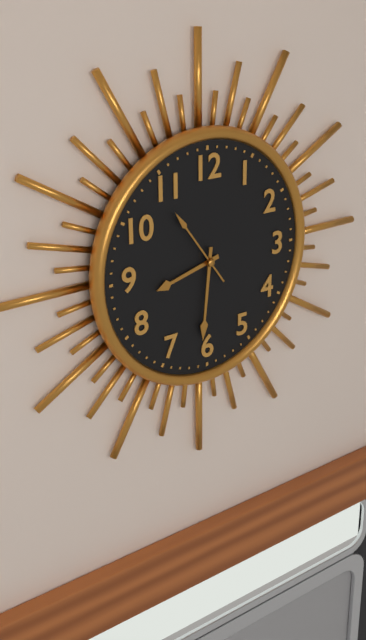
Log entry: 8h31m54s
